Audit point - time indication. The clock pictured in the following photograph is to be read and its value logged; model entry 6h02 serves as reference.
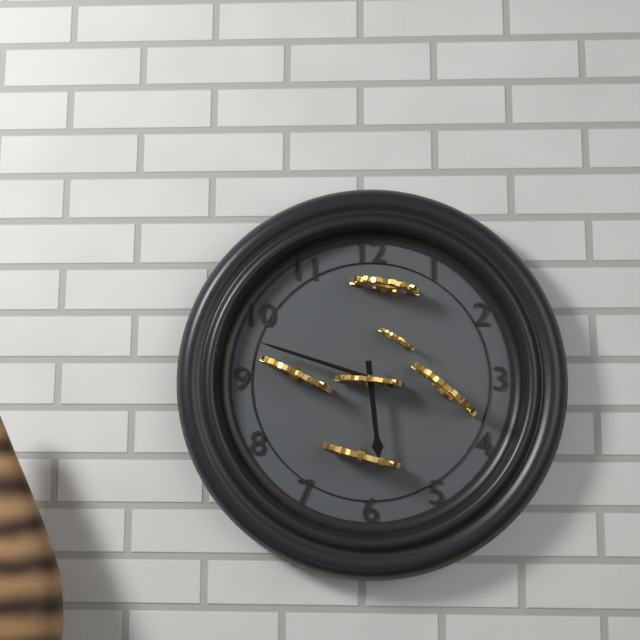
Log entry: 5h48
